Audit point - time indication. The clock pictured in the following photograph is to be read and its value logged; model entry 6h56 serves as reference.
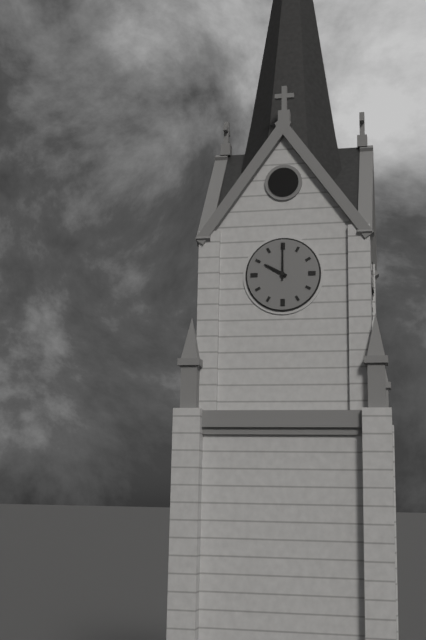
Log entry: 10h00
